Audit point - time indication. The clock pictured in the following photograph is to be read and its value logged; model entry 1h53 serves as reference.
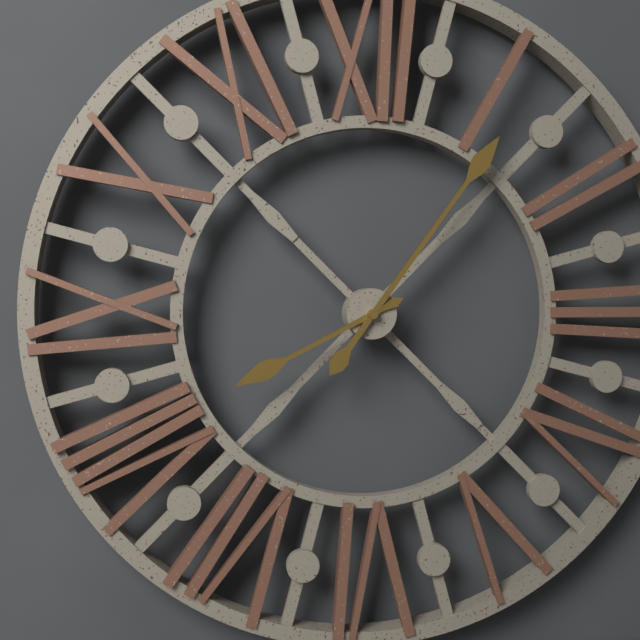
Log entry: 8h06
